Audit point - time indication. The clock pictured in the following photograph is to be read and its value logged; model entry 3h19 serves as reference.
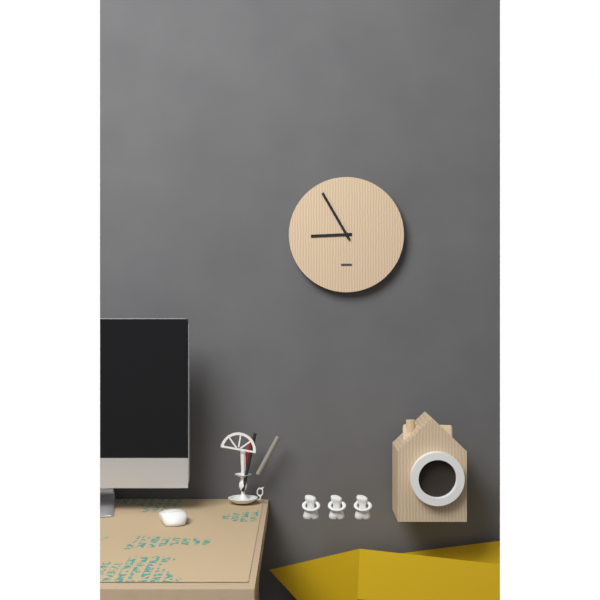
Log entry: 8h55
